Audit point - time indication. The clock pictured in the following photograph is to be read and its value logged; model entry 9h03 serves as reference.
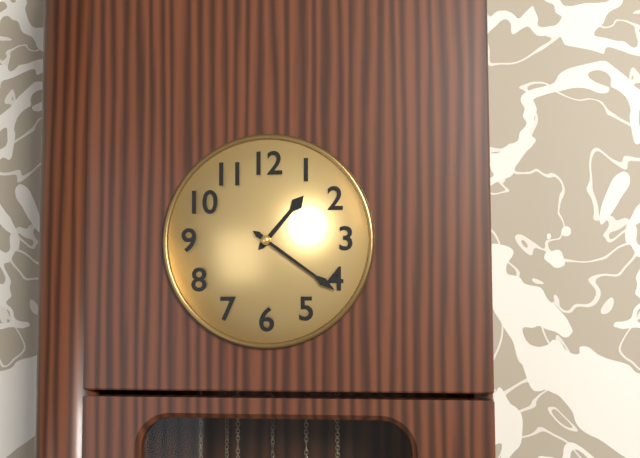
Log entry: 1h21
